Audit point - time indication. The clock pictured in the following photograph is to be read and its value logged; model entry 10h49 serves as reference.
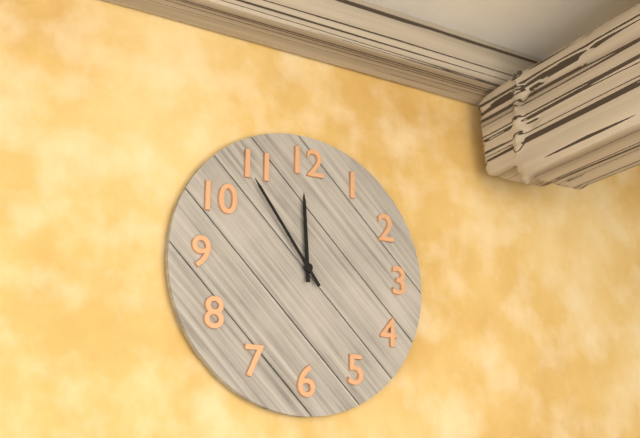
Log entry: 11h54
